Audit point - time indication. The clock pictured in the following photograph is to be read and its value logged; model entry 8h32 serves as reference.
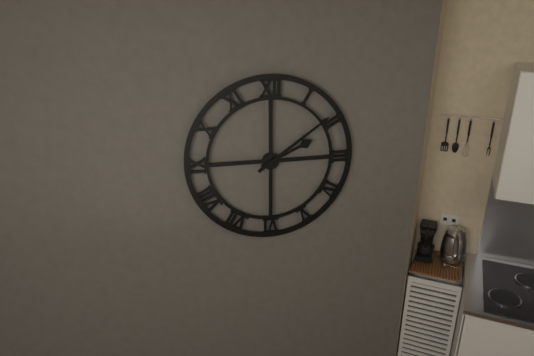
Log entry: 2h09
